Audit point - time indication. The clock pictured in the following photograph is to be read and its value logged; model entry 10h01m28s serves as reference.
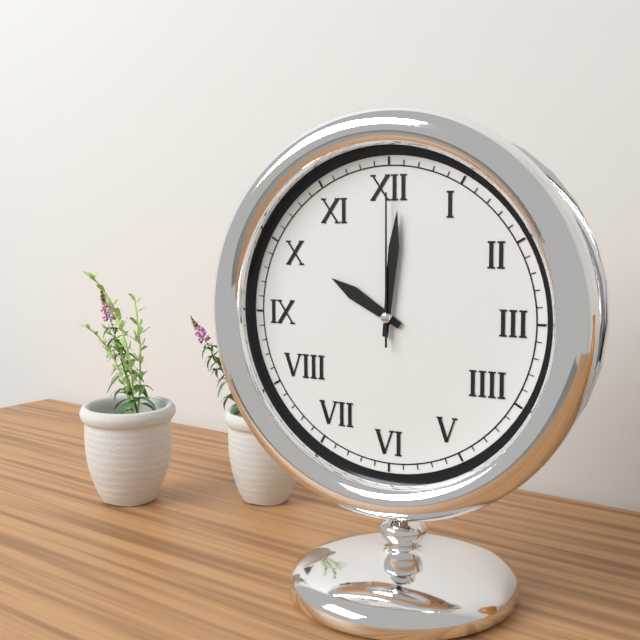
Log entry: 10h01m00s
